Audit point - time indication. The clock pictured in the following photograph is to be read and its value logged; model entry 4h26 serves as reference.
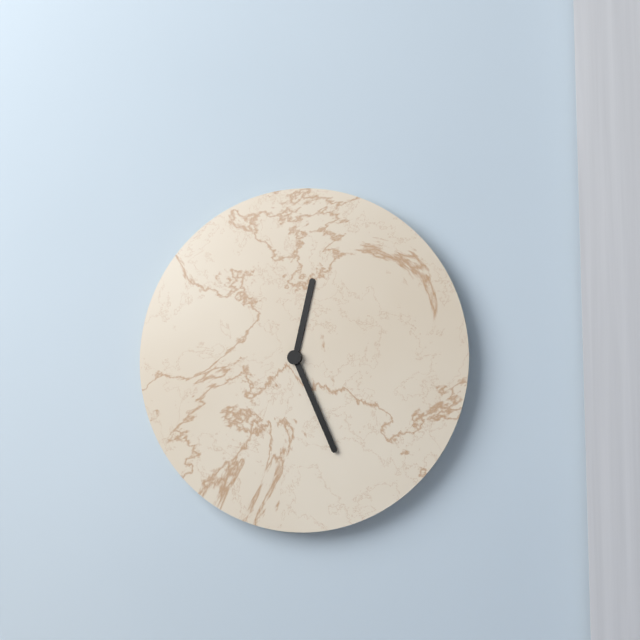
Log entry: 12h26
